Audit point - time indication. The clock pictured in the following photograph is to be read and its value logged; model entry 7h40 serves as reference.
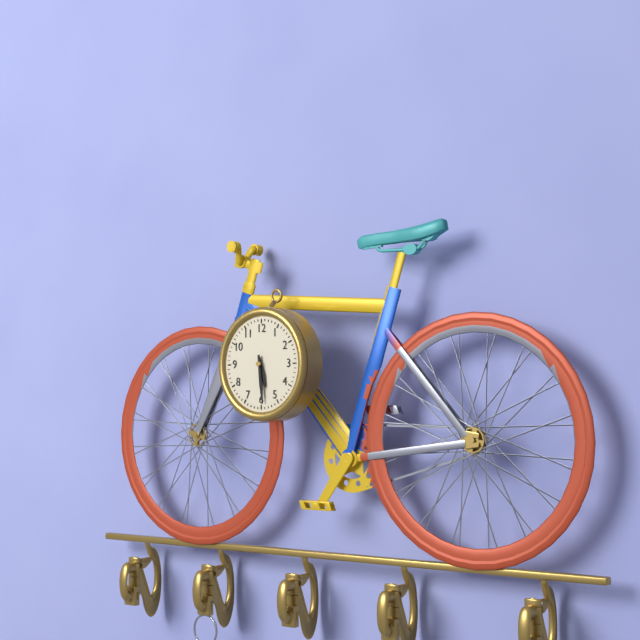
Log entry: 5h29
